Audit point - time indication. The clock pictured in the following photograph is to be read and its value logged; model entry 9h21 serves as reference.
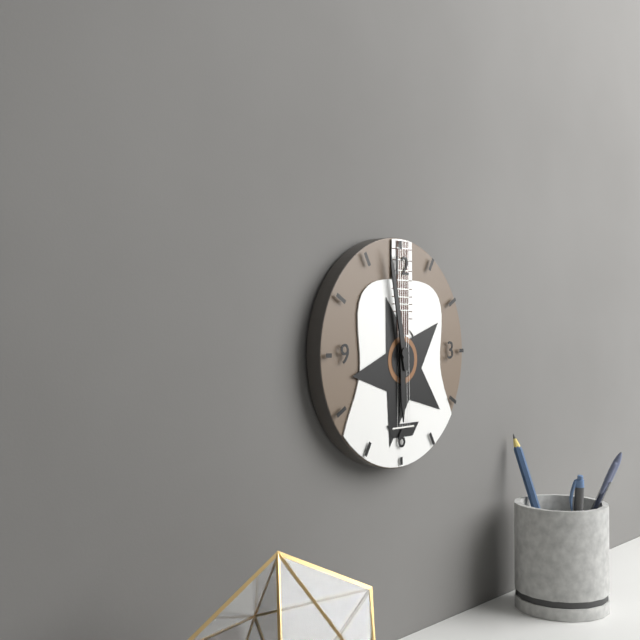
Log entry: 5h58
